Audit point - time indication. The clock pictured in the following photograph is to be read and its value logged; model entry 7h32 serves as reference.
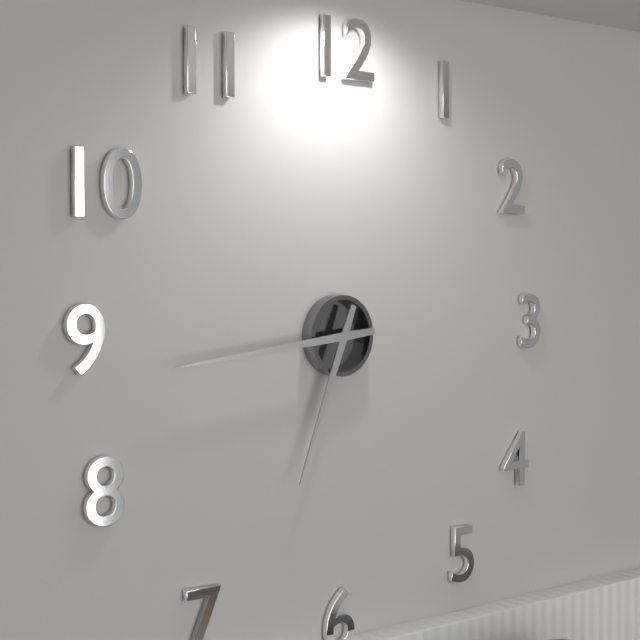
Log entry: 6h44
